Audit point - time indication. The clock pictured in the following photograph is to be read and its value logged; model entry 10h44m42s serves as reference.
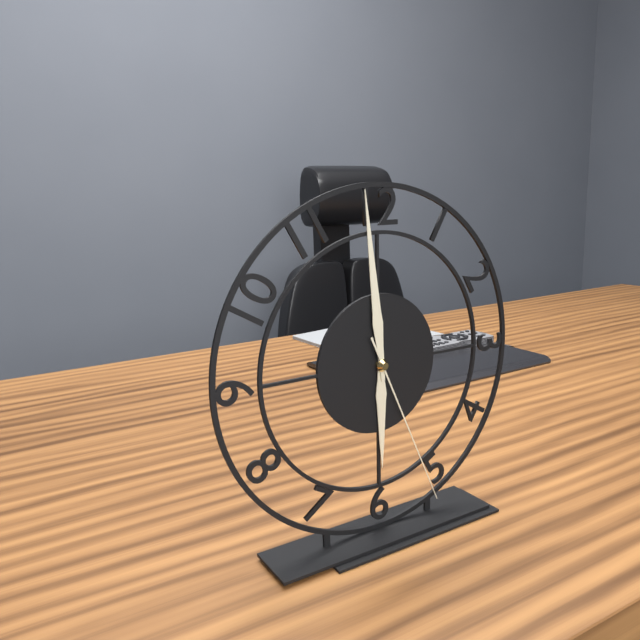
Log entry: 5h59m26s
